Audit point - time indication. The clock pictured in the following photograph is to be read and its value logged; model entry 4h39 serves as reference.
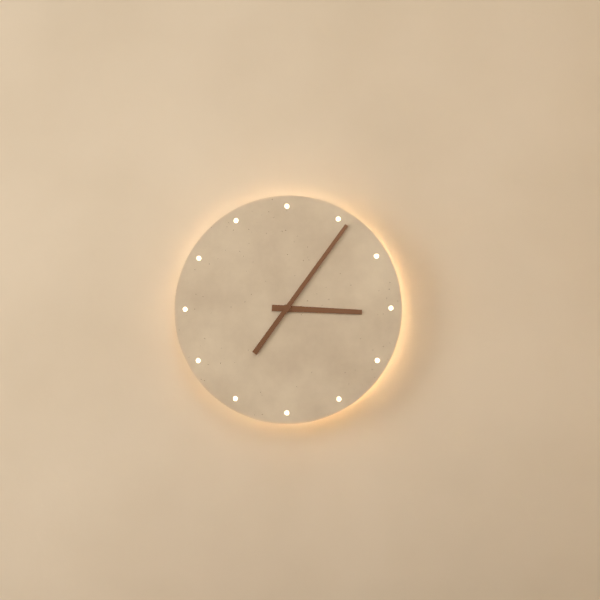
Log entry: 3h06
